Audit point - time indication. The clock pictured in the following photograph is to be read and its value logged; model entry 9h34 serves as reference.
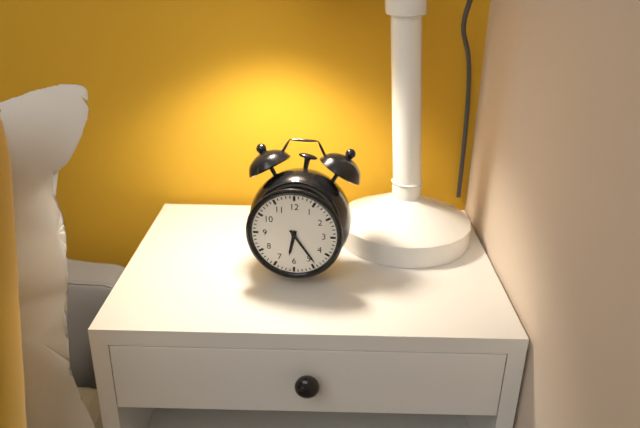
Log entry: 6h24
